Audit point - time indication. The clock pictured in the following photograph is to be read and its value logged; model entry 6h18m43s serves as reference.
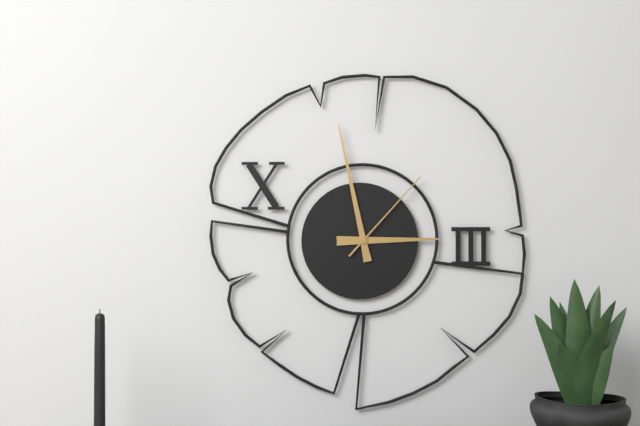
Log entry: 2h58m07s
